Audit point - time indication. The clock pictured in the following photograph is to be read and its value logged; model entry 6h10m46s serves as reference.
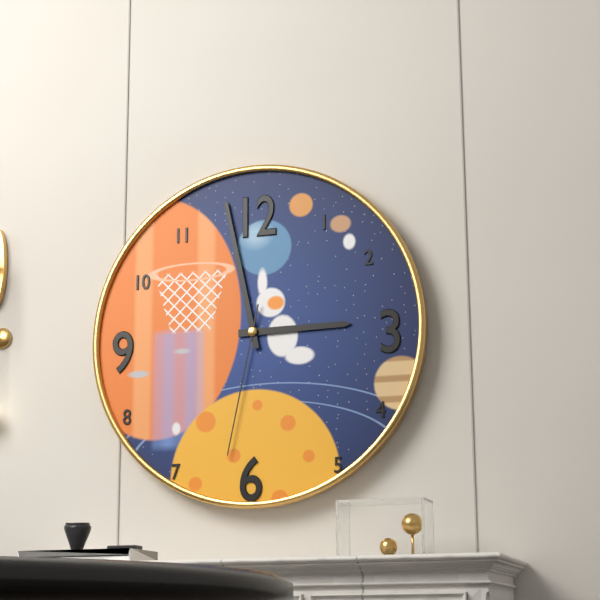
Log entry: 2h58m32s
